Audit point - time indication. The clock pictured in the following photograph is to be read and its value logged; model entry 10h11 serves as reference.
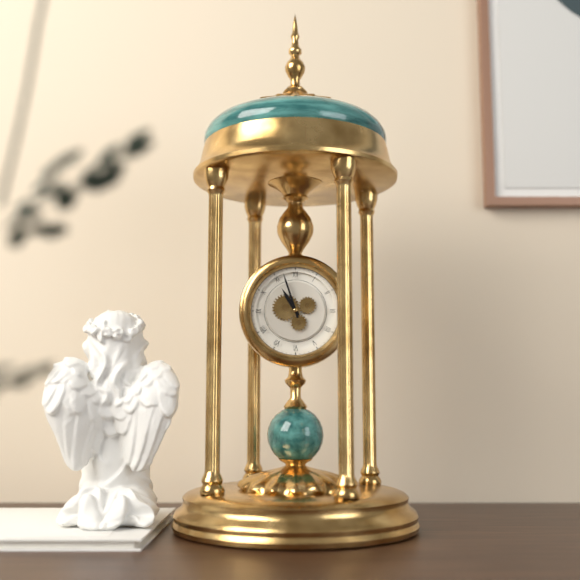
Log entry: 10h57
